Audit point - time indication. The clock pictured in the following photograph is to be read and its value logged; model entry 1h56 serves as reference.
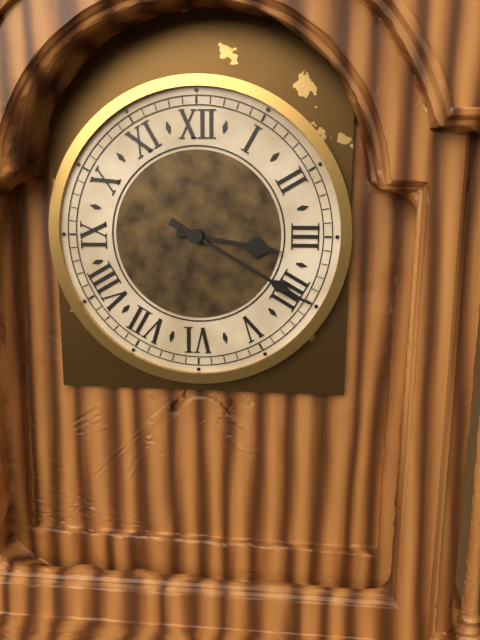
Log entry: 3h20
